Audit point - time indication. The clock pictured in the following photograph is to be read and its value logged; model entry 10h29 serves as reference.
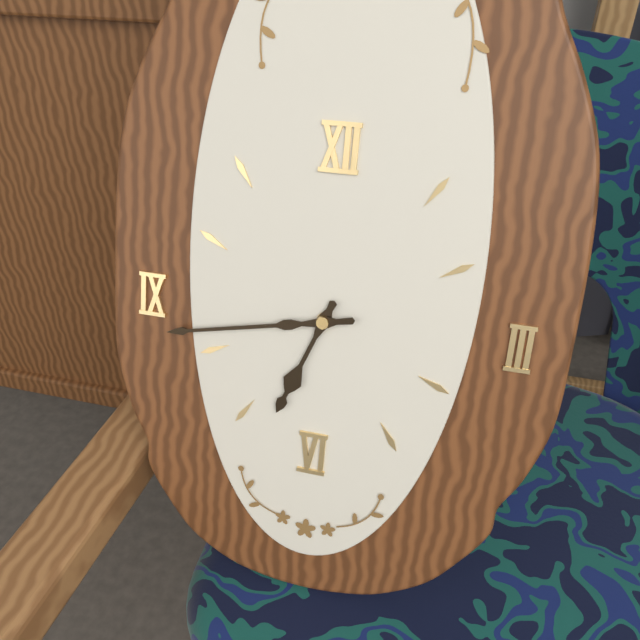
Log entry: 6h43
